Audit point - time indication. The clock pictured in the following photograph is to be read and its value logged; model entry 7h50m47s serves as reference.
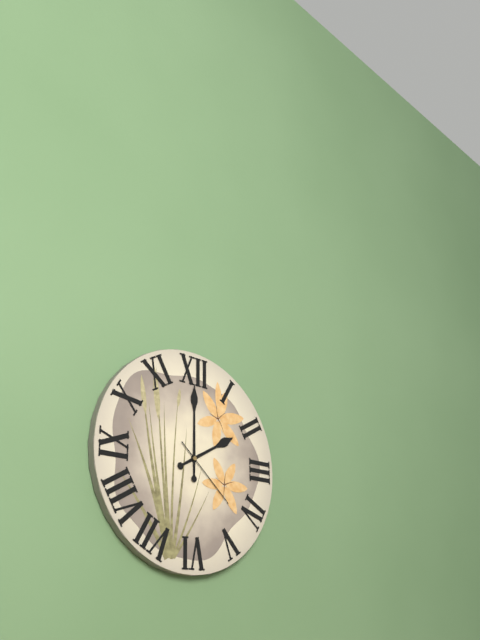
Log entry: 2h00m22s
